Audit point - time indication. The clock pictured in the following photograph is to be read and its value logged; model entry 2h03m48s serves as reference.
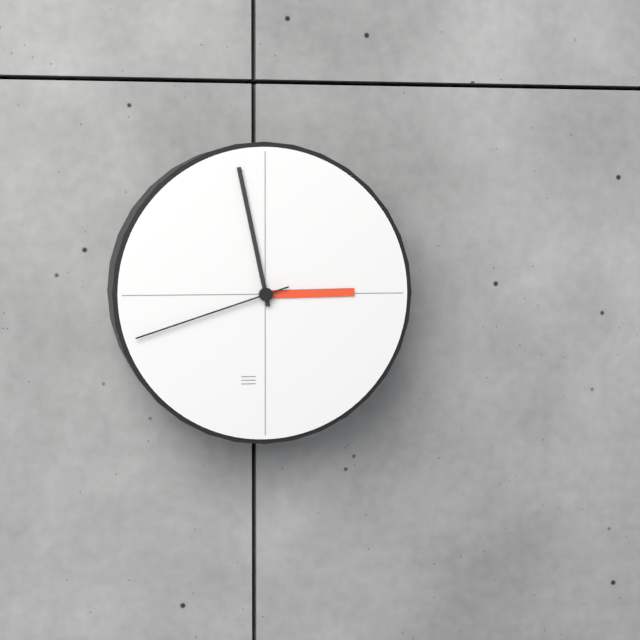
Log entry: 2h58m42s
